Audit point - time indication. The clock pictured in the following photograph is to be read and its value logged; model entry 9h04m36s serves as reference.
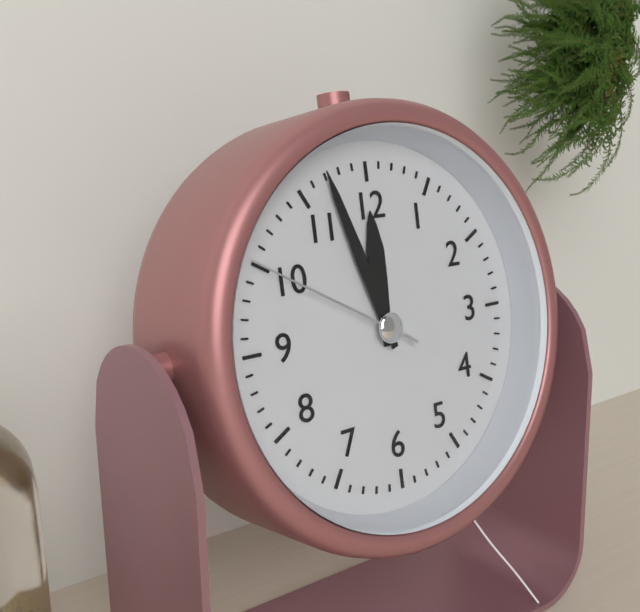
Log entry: 11h57m50s
